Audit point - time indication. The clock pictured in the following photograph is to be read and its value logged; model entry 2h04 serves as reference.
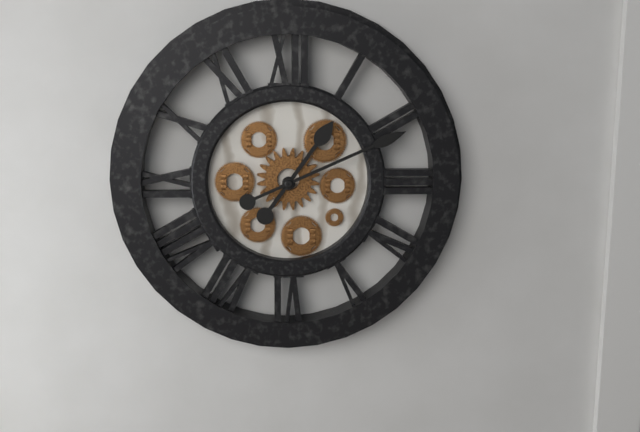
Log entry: 1h11
